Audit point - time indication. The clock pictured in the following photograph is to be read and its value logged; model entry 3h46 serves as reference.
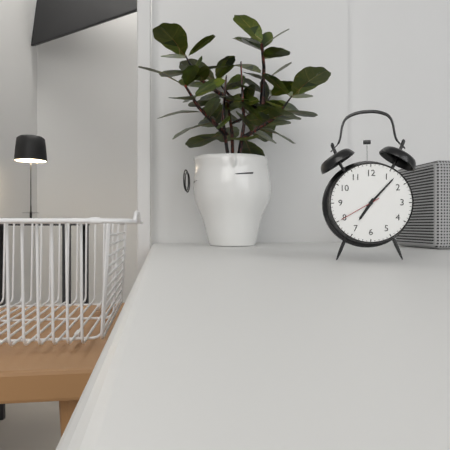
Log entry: 7h07
